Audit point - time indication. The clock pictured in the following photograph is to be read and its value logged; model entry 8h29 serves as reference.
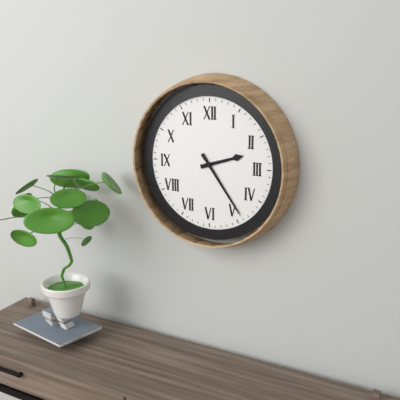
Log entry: 2h24
